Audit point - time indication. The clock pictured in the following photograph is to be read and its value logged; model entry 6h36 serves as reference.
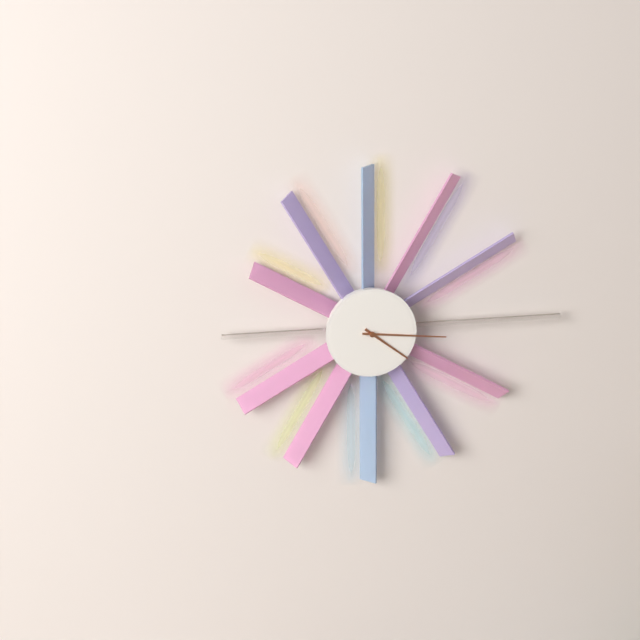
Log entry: 4h16
